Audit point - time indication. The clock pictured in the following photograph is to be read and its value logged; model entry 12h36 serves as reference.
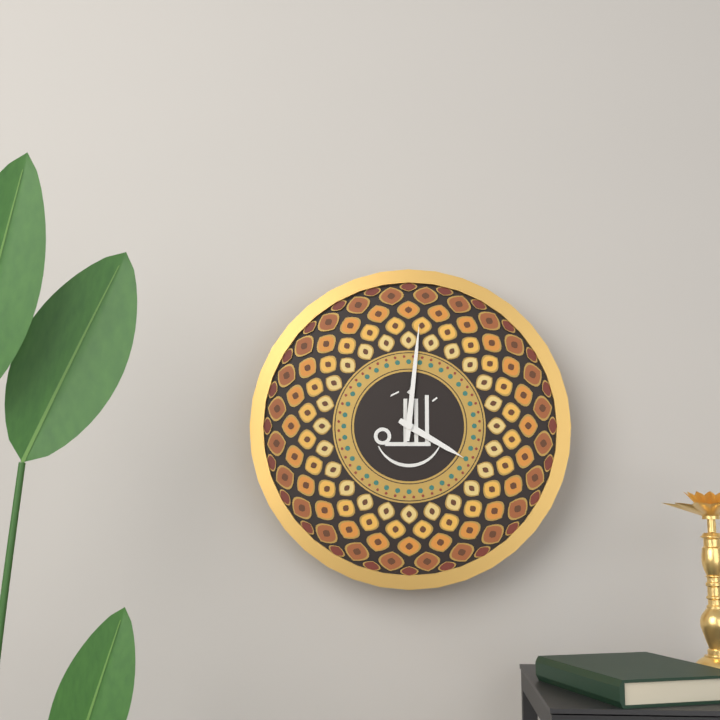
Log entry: 4h01
